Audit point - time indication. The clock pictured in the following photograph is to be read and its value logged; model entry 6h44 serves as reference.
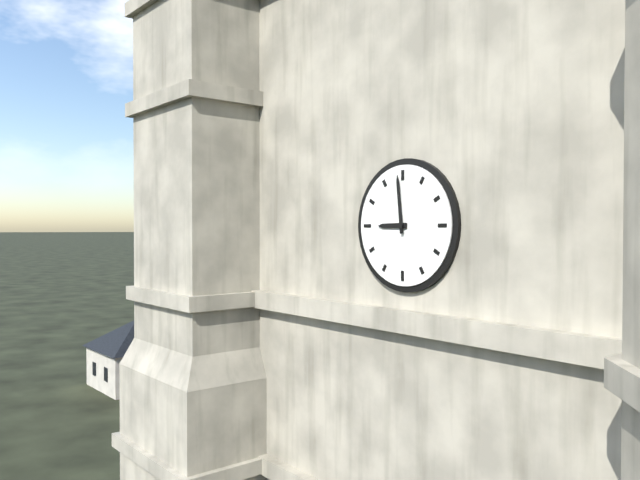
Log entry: 8h59
